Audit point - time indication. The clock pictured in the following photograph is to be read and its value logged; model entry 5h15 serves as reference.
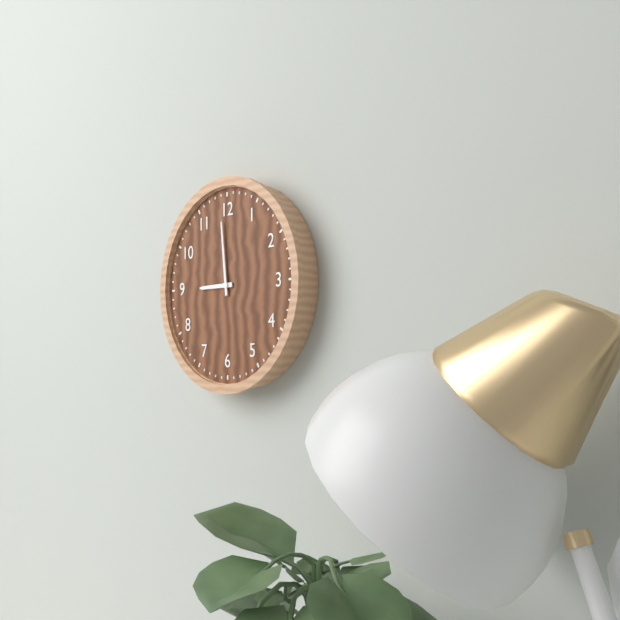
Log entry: 8h59
